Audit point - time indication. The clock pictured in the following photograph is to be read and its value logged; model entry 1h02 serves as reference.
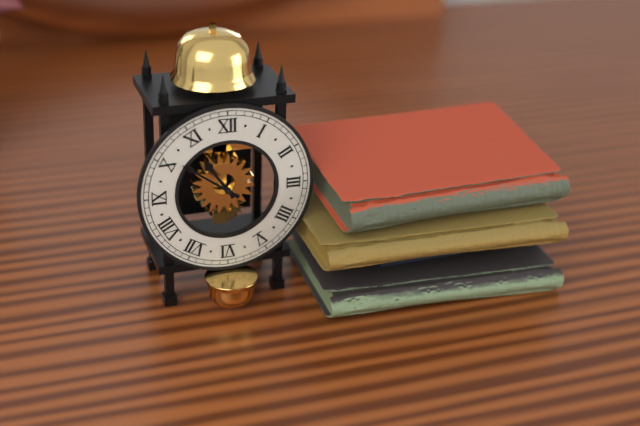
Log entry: 10h51
